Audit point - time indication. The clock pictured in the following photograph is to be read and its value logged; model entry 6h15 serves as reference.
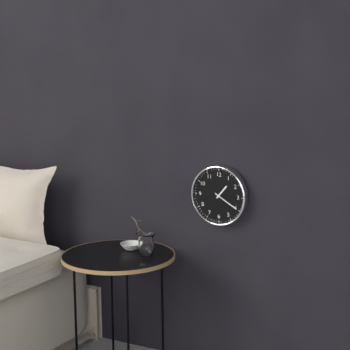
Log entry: 1h20
